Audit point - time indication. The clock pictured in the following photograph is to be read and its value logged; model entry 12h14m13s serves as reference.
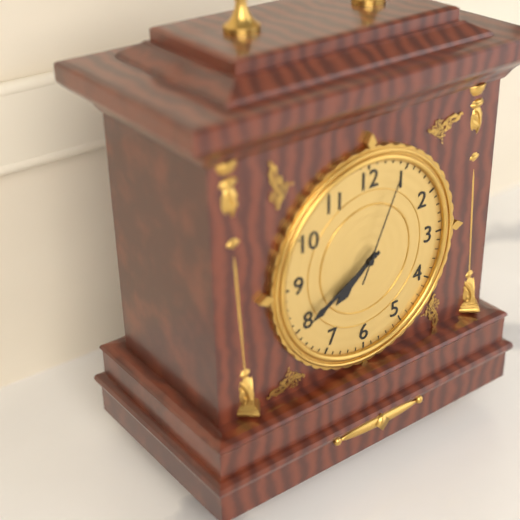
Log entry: 7h40m04s
